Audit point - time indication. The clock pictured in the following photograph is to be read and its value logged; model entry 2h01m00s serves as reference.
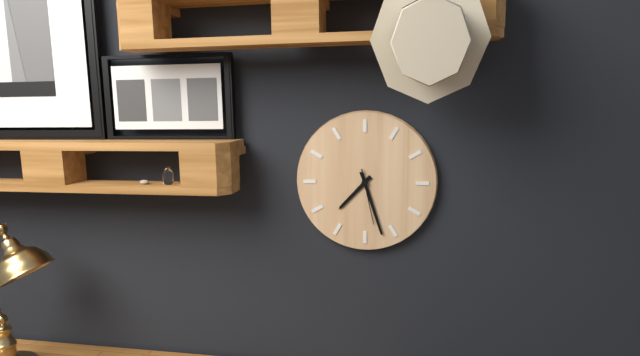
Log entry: 7h27m28s
